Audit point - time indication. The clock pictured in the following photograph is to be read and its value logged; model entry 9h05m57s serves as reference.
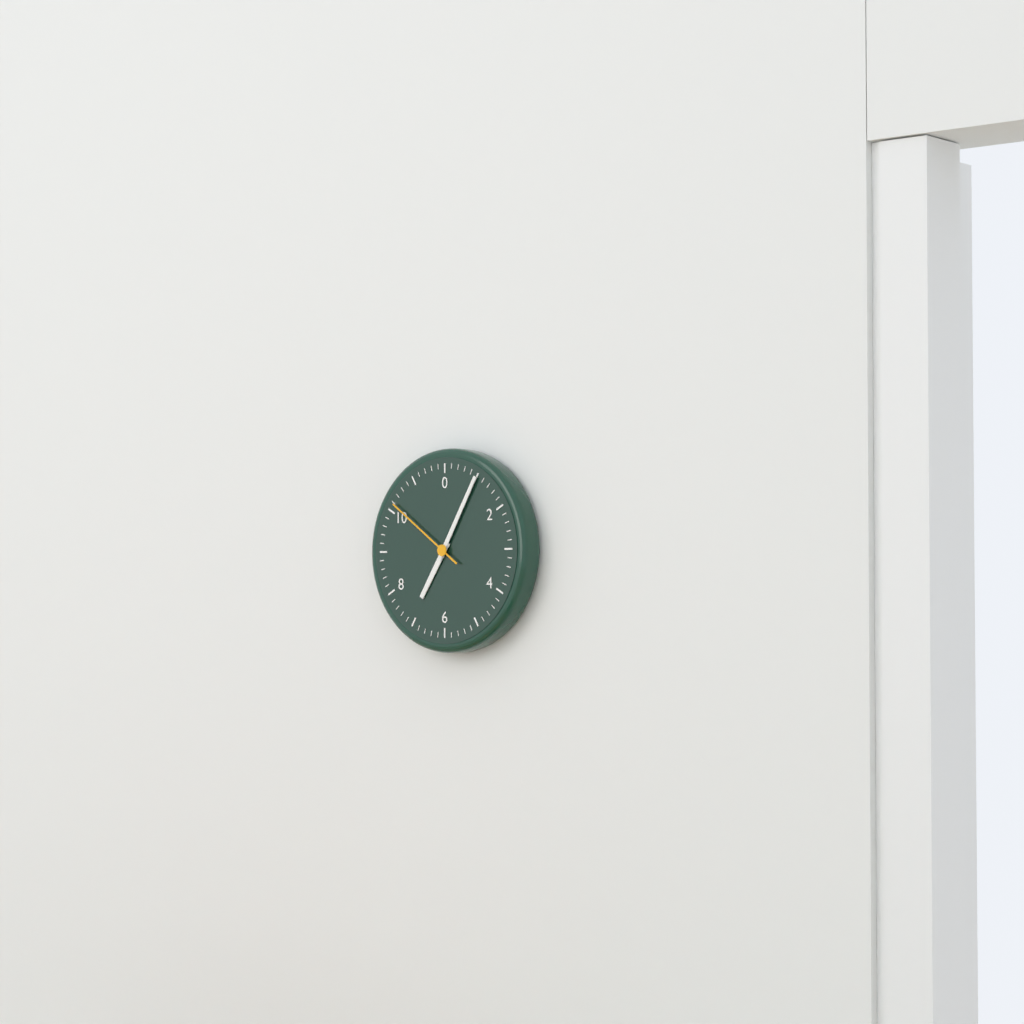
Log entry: 7h05m51s
